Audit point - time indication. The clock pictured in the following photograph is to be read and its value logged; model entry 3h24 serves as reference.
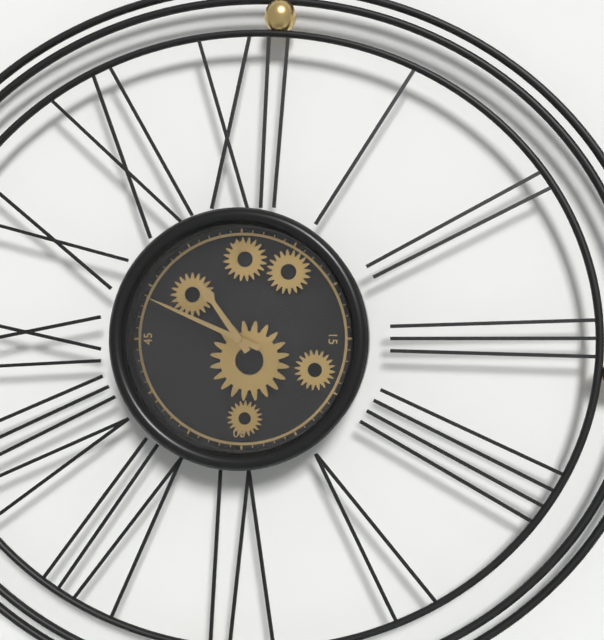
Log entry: 10h49
